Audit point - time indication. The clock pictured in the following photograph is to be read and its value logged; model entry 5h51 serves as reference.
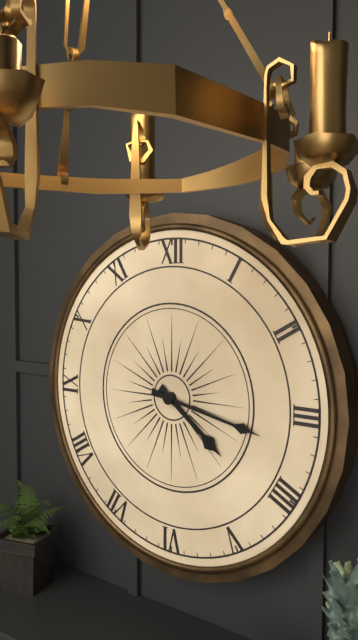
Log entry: 4h17
